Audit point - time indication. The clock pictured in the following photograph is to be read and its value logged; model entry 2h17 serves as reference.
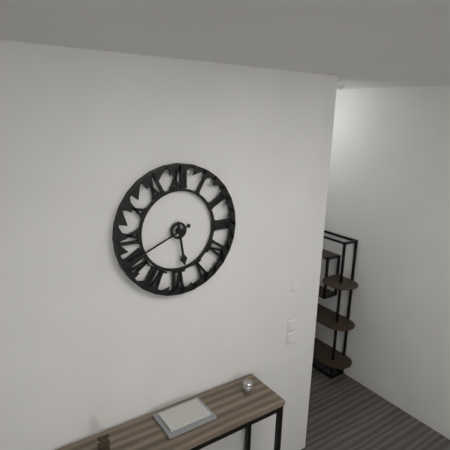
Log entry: 5h41
